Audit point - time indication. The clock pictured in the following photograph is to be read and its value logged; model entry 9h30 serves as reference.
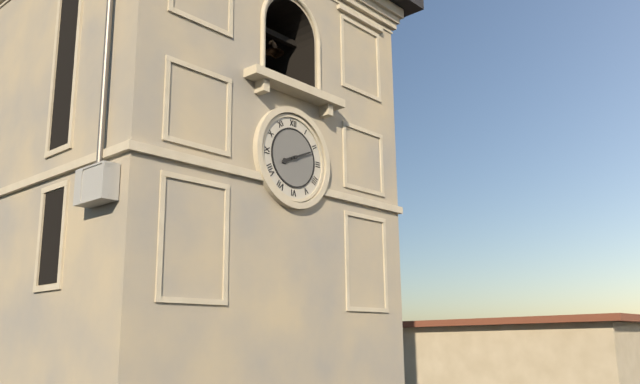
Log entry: 8h11
